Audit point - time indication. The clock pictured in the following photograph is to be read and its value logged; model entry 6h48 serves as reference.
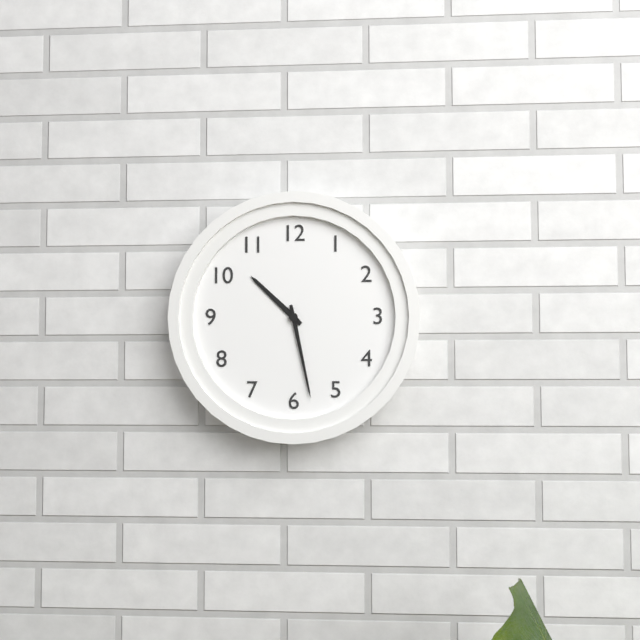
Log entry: 10h28
